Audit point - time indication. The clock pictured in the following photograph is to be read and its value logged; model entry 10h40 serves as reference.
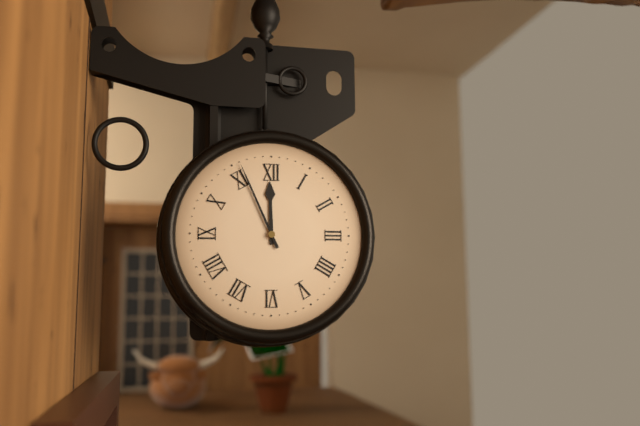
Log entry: 11h56
